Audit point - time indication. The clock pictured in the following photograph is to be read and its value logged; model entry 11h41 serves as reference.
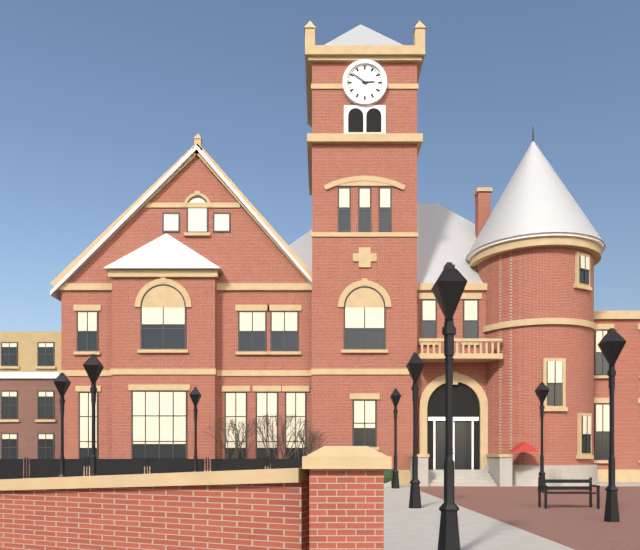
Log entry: 2h51
